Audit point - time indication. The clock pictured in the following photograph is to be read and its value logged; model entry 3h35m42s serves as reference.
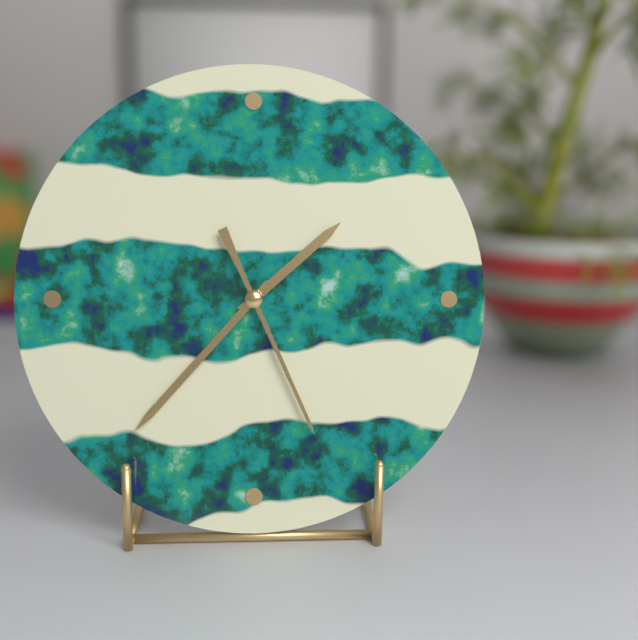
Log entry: 1h37m26s
